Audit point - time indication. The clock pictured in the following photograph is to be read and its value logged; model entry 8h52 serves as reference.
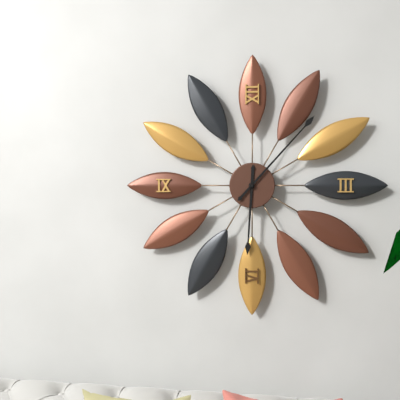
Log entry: 6h07
